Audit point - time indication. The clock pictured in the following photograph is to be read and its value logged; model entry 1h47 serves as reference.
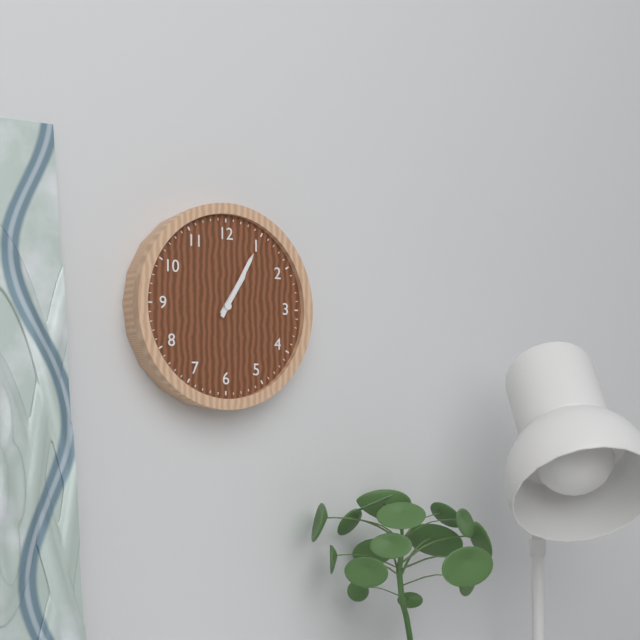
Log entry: 1h05
